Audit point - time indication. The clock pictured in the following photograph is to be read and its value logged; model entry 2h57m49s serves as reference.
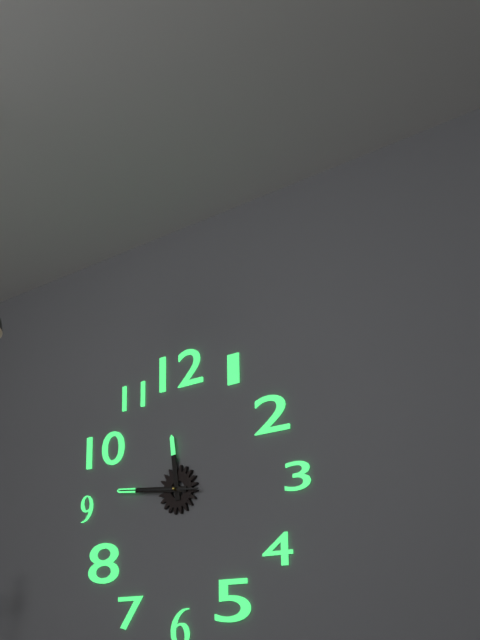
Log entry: 11h46m46s
